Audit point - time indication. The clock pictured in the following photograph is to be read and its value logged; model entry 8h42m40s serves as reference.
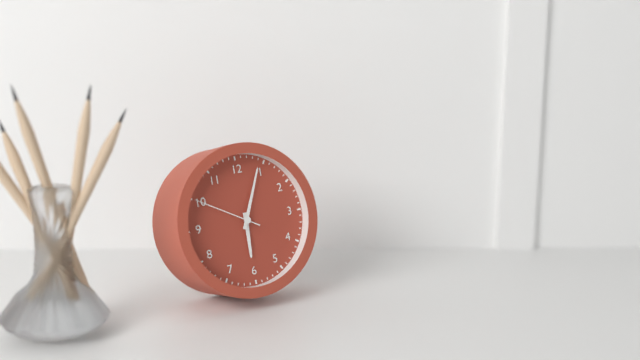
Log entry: 6h04m50s
